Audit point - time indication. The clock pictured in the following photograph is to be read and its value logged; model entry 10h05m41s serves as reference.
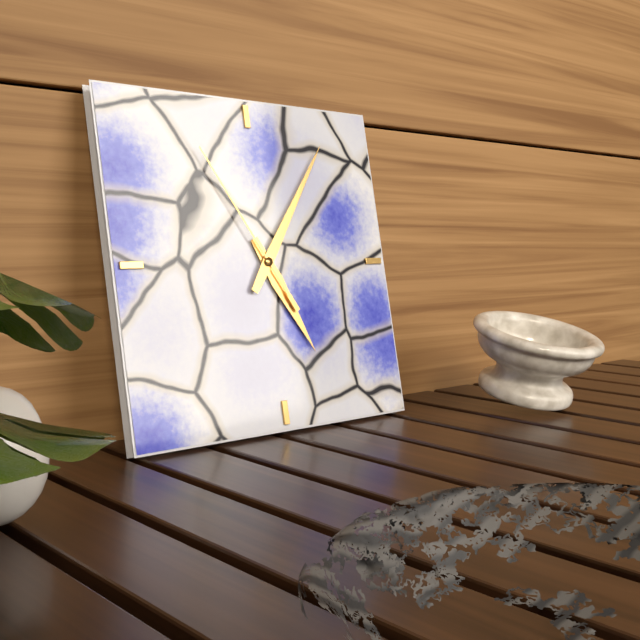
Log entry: 5h06m55s
